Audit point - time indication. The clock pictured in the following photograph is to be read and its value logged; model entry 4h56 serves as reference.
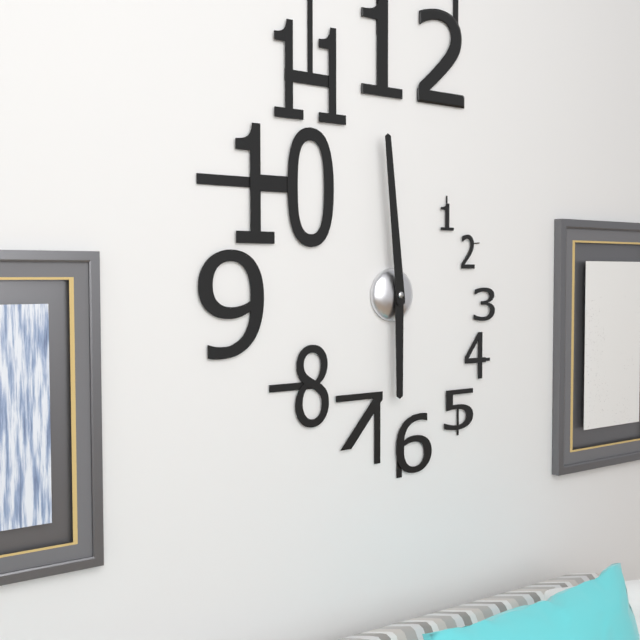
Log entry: 5h59
